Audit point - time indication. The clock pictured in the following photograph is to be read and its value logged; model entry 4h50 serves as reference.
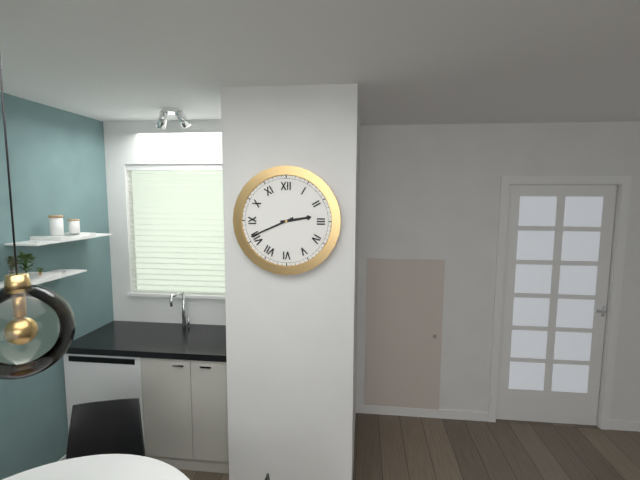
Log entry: 2h41
